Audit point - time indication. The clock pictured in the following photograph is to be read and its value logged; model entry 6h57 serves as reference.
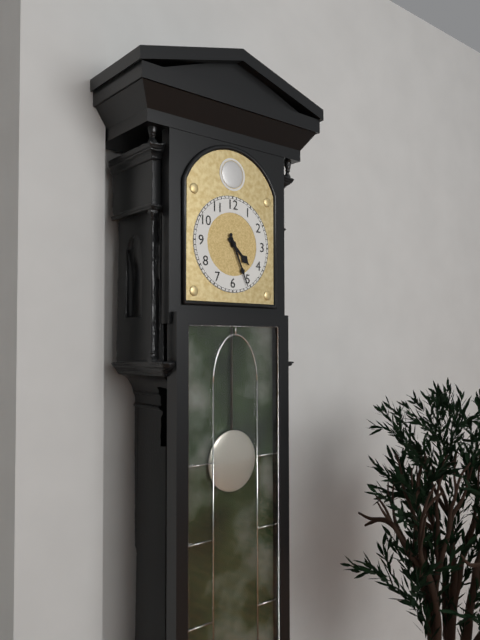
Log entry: 4h26
